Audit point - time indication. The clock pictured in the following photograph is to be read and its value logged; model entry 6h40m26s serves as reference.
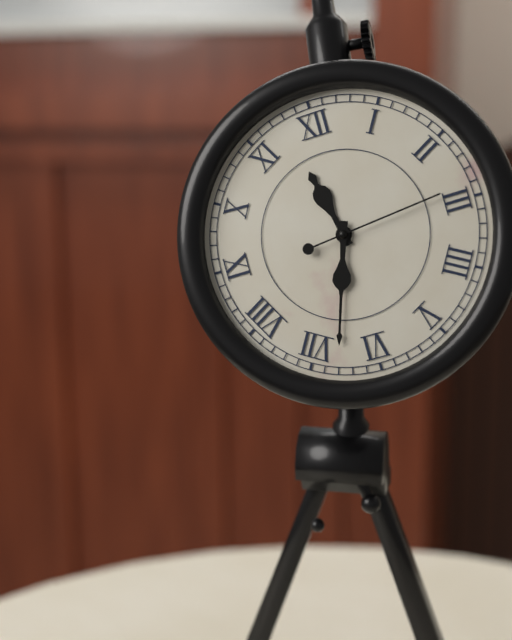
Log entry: 11h33m14s
